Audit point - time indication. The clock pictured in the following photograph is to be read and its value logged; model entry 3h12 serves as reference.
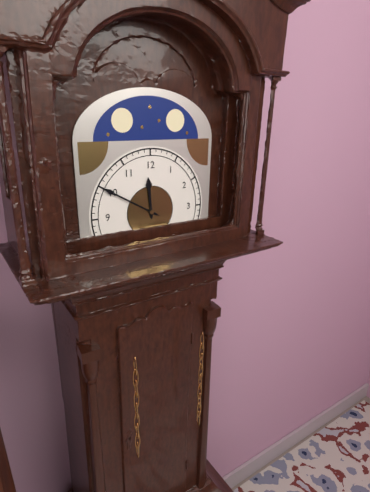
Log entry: 11h50
